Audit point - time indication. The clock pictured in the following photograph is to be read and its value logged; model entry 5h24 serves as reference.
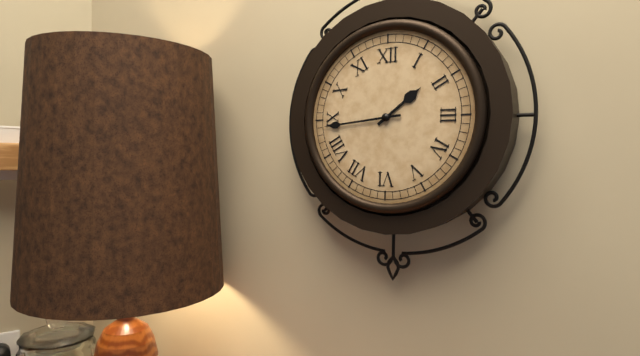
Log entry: 1h44
